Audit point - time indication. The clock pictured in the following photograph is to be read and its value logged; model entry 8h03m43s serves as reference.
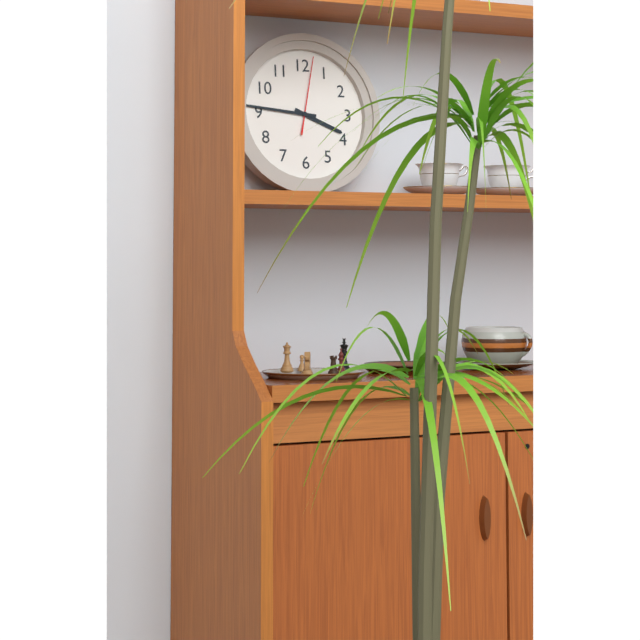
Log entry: 3h46m02s
